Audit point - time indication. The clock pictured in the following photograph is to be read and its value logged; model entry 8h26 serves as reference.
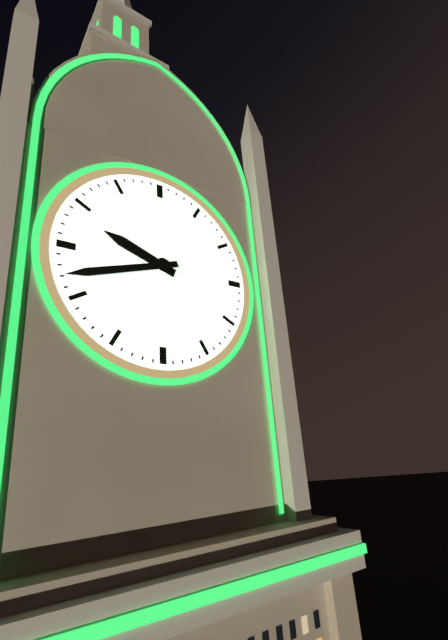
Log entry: 9h42
